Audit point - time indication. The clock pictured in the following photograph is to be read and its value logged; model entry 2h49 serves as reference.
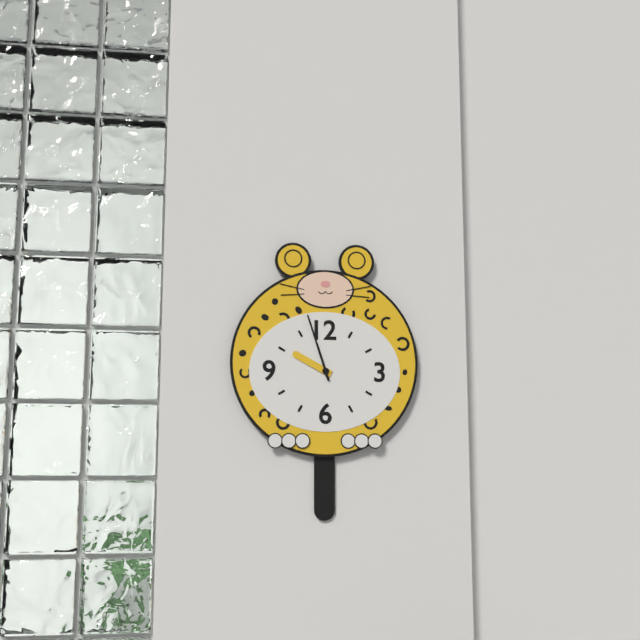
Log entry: 9h57
